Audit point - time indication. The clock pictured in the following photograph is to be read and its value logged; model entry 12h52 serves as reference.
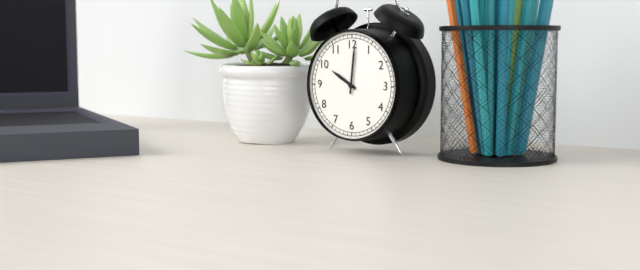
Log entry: 10h01
